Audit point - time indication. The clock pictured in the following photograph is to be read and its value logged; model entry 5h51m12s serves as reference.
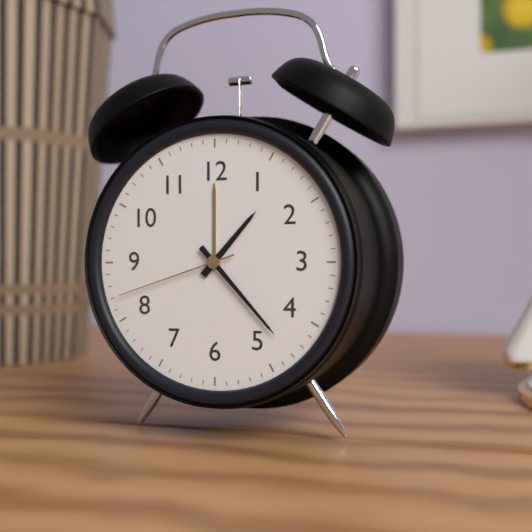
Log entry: 1h23m42s
